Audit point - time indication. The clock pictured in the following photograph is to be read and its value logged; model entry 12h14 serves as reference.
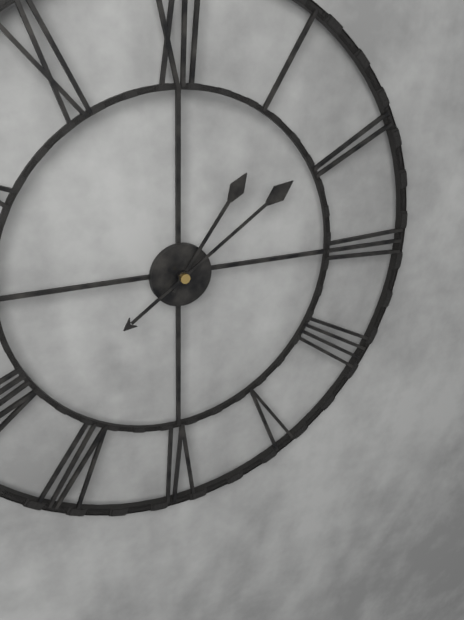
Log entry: 1h09
